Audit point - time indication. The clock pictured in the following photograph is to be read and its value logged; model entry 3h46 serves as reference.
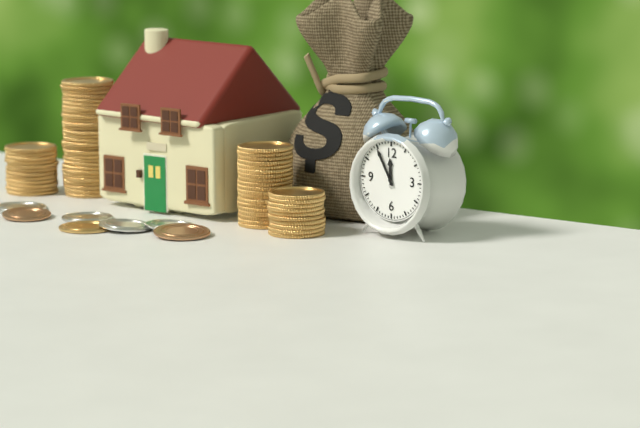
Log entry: 11h55
